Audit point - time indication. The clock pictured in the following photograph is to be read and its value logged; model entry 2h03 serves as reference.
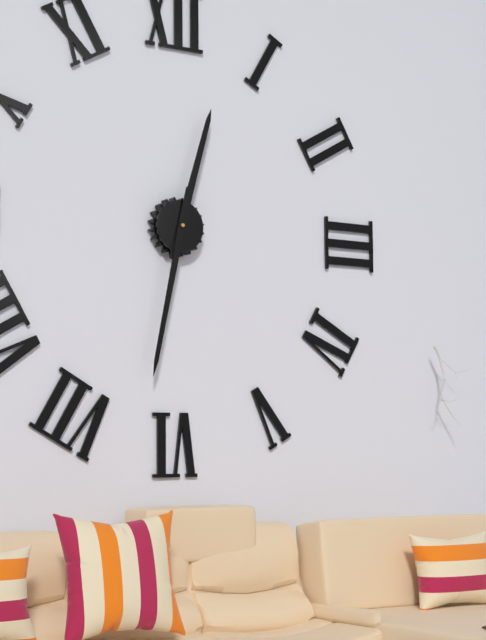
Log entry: 12h32
